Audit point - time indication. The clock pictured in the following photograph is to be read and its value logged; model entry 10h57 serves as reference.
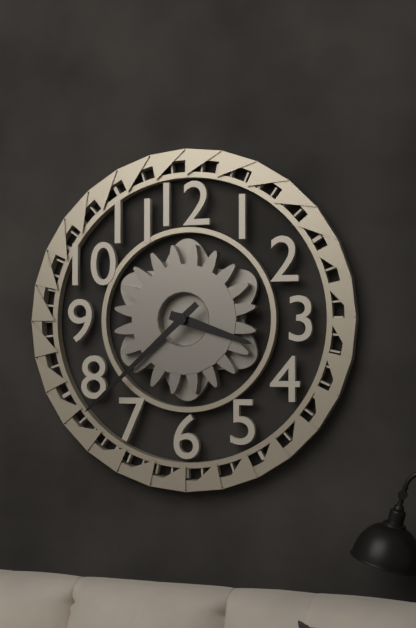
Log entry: 3h38
